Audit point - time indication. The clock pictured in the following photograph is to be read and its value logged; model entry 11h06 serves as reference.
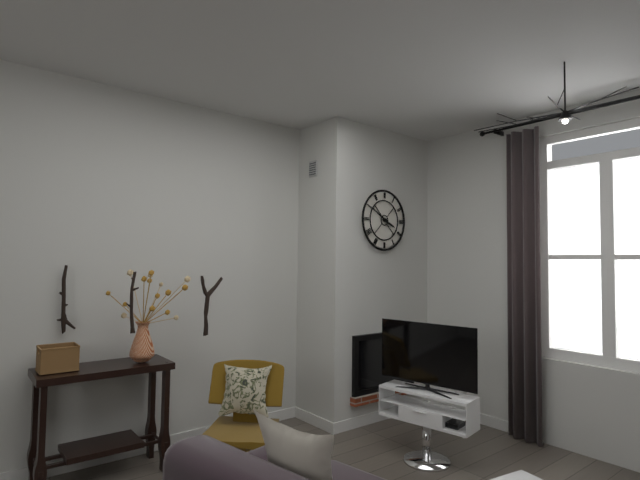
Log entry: 3h50
